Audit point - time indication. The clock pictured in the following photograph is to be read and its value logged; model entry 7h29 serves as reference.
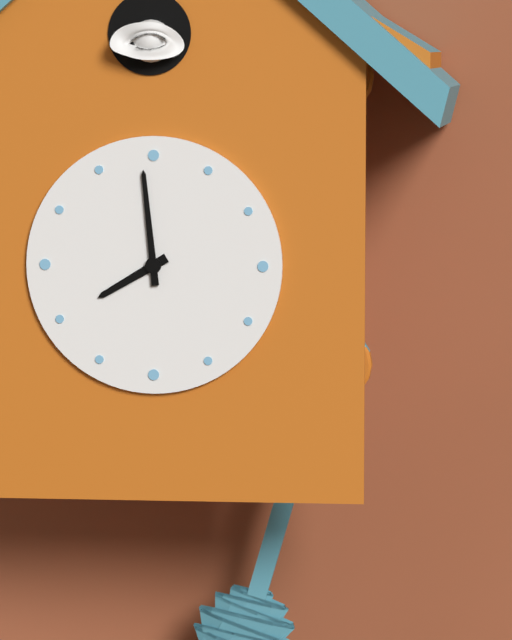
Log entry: 7h59
